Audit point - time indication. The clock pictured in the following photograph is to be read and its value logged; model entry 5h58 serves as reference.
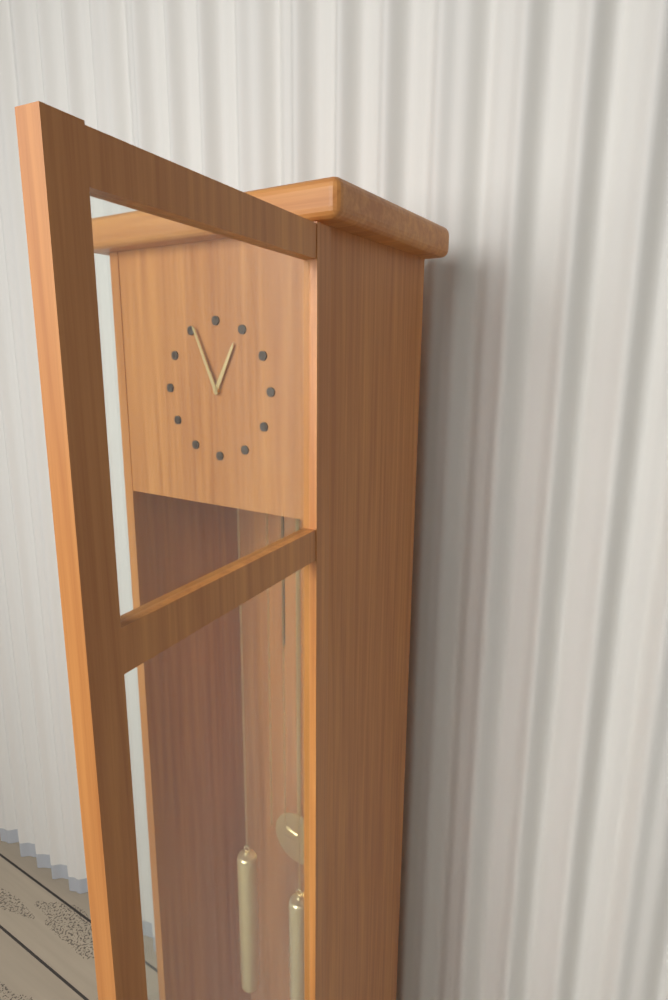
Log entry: 12h56
